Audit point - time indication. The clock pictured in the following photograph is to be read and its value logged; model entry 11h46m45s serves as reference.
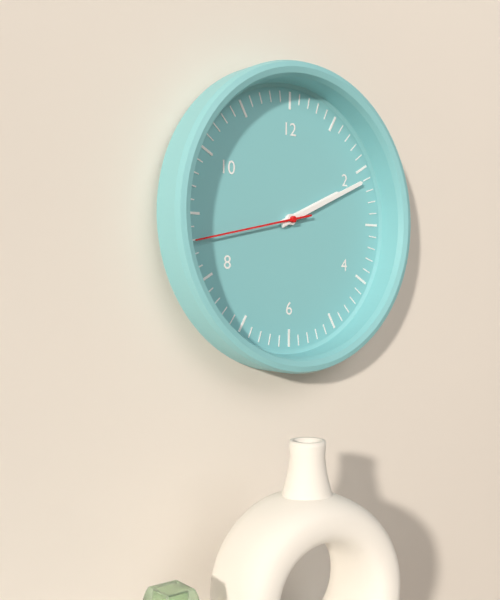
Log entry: 2h11m43s
